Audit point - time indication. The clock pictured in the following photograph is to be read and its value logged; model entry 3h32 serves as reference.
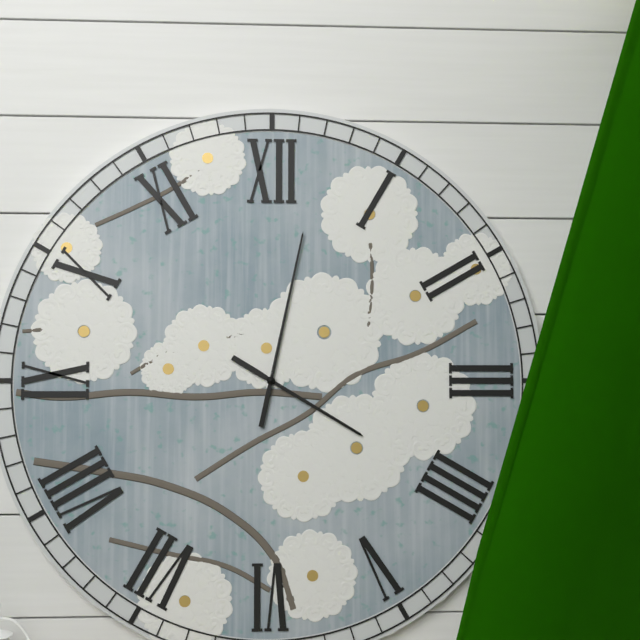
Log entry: 4h02
